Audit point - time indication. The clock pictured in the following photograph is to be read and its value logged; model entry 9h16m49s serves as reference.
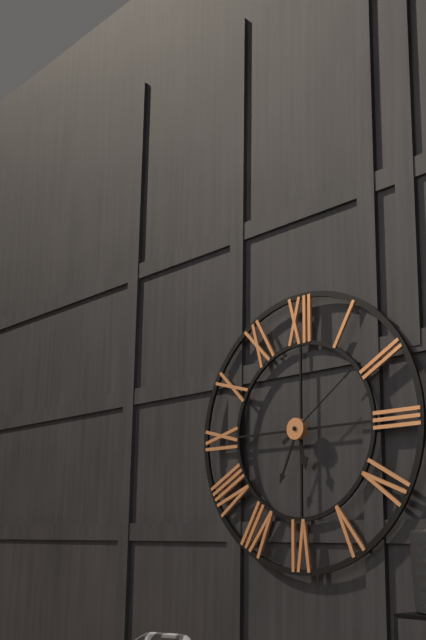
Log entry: 5h34m09s
